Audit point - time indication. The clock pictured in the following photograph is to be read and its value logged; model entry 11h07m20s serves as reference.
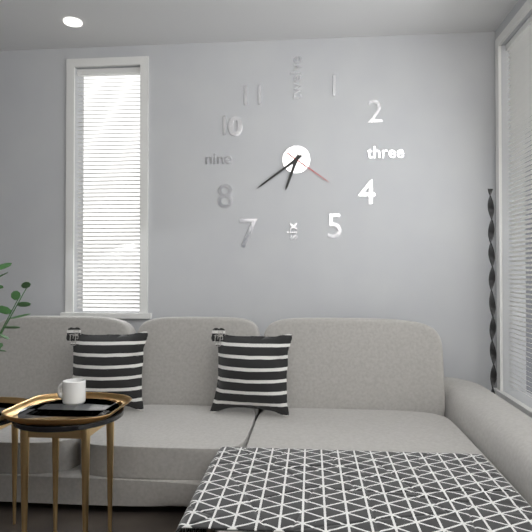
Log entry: 6h39m21s
